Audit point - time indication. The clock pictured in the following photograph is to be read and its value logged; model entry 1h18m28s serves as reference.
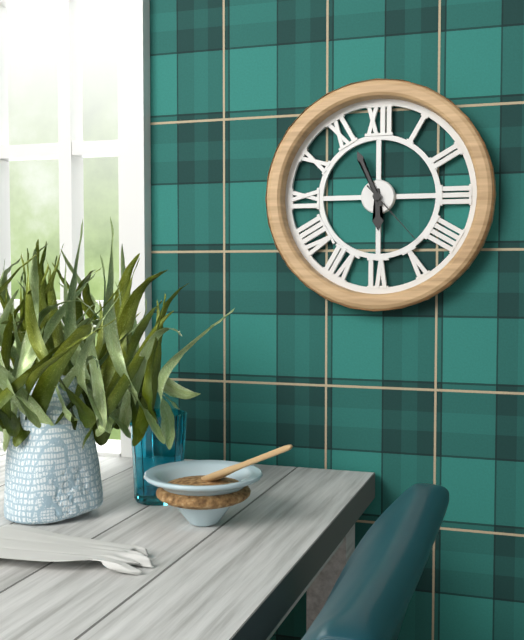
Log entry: 5h56m23s
